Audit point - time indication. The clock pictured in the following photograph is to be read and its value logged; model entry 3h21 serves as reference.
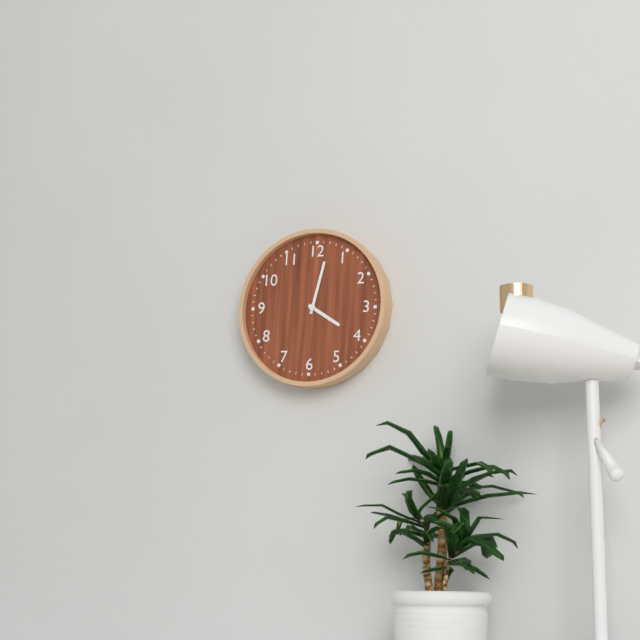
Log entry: 4h02
